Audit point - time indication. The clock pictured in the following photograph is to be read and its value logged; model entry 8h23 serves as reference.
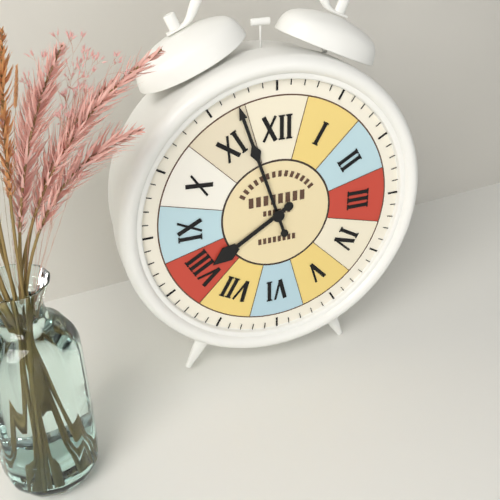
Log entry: 7h57
